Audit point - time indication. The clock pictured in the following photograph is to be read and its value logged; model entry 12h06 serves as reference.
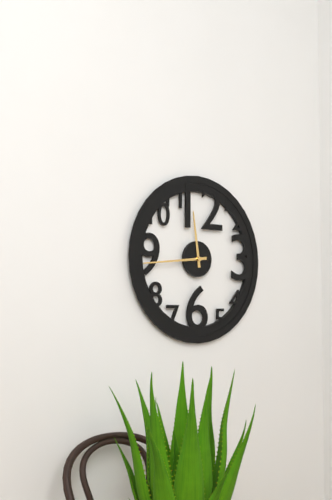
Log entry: 11h44
